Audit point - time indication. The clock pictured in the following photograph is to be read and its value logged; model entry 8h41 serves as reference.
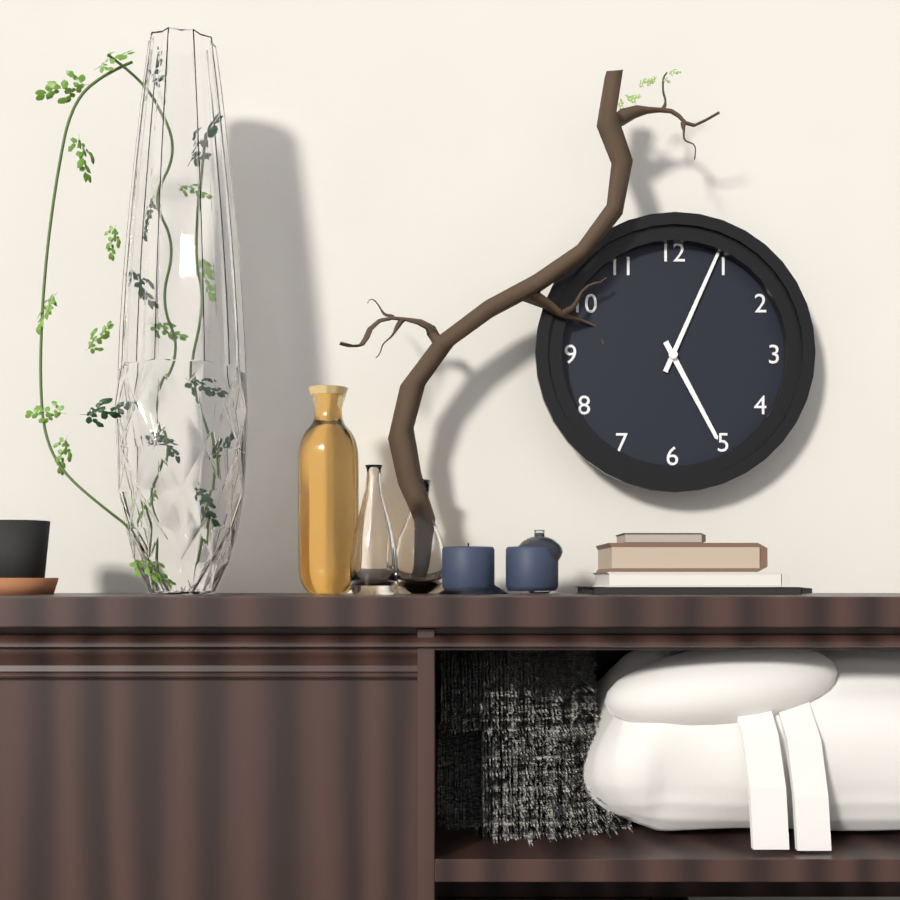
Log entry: 5h04
